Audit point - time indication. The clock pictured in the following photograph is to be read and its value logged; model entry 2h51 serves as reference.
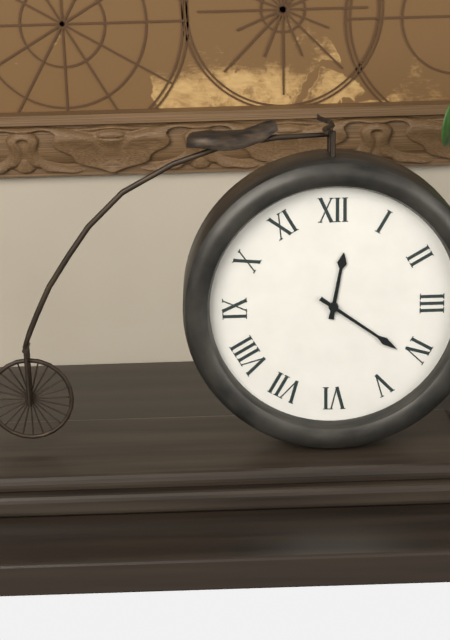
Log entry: 12h21
